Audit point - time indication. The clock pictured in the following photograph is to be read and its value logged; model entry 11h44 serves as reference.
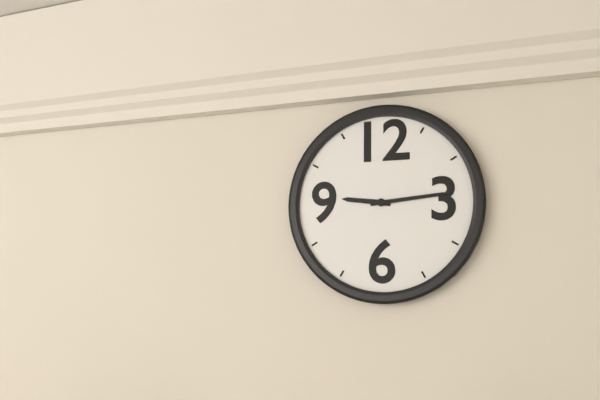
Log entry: 9h14
